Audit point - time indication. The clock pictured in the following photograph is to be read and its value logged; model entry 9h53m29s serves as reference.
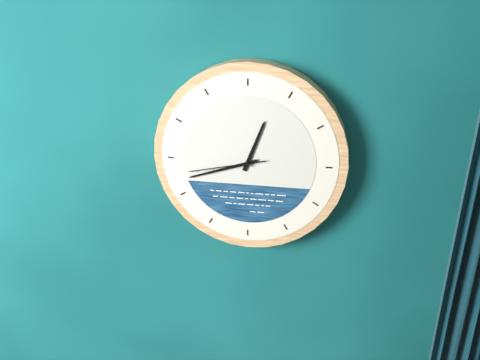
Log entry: 12h42m43s
